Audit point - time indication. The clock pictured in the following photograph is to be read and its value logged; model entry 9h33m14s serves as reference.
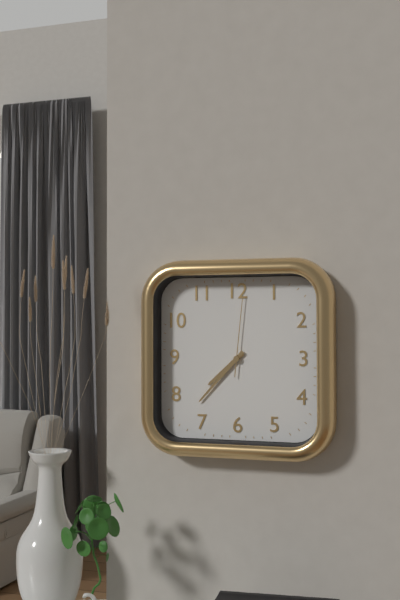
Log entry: 7h37m01s
